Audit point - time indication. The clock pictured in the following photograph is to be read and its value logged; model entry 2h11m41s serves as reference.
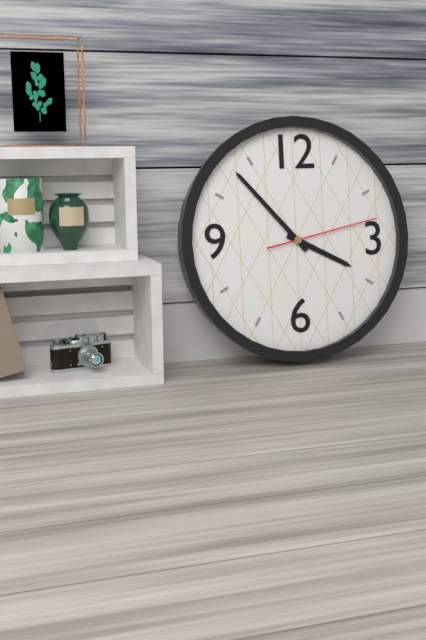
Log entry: 3h53m13s
